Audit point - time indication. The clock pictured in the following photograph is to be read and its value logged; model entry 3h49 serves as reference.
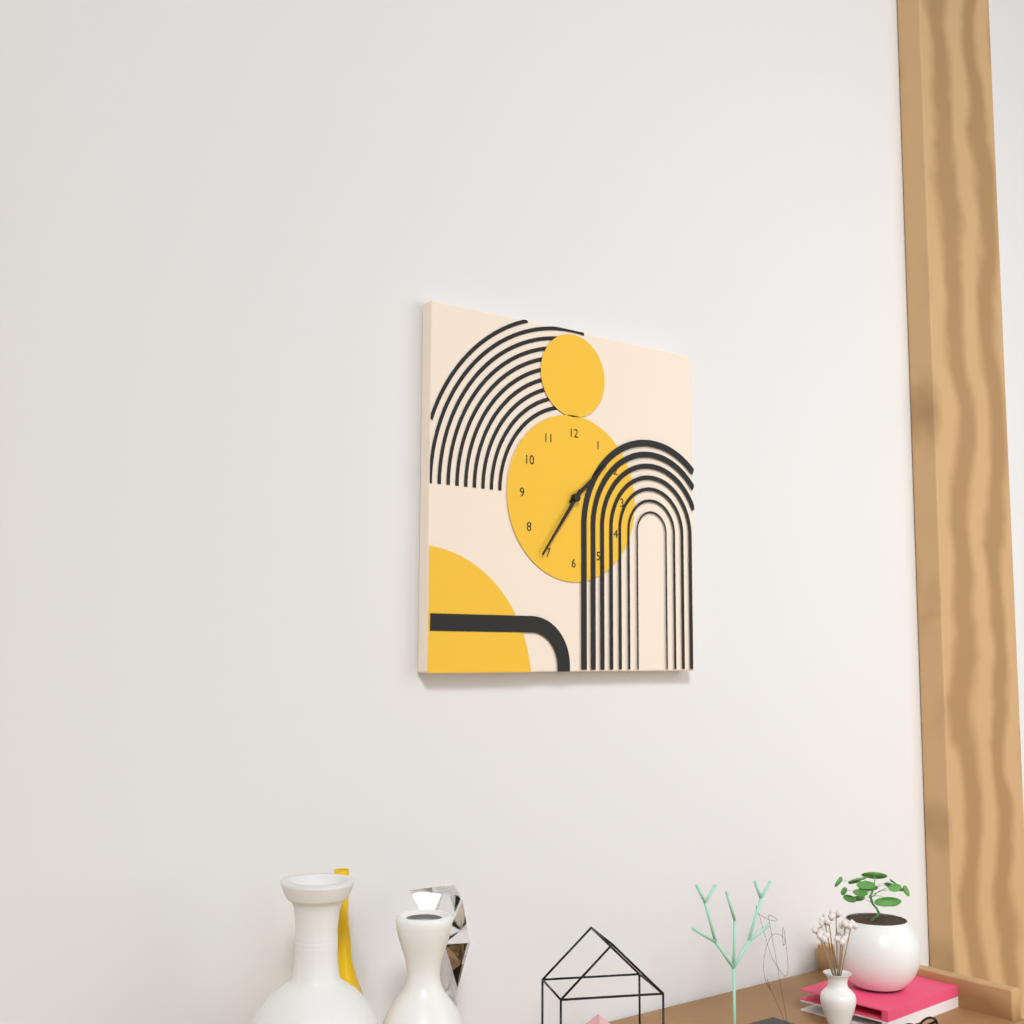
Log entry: 1h36
